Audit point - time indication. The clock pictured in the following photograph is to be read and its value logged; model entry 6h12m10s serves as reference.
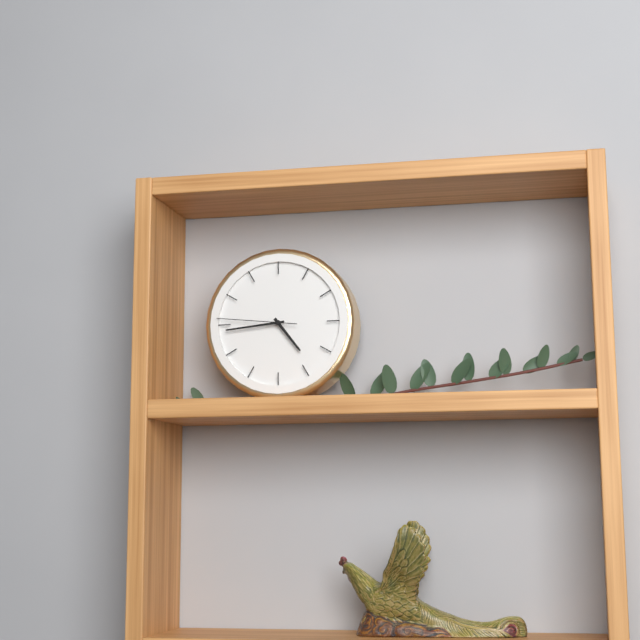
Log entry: 4h44m46s
